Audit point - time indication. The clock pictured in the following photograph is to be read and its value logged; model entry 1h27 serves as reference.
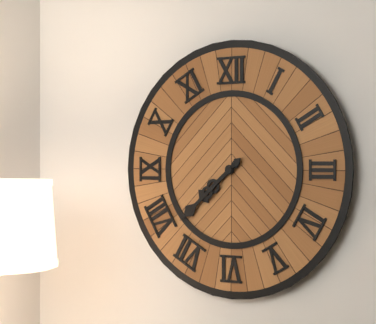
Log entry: 7h38
